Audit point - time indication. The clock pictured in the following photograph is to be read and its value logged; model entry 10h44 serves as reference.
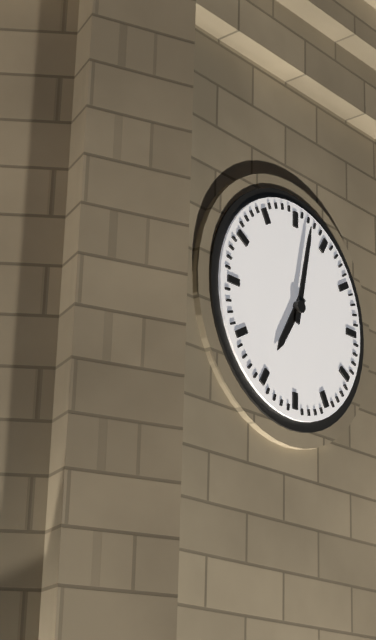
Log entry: 7h02
